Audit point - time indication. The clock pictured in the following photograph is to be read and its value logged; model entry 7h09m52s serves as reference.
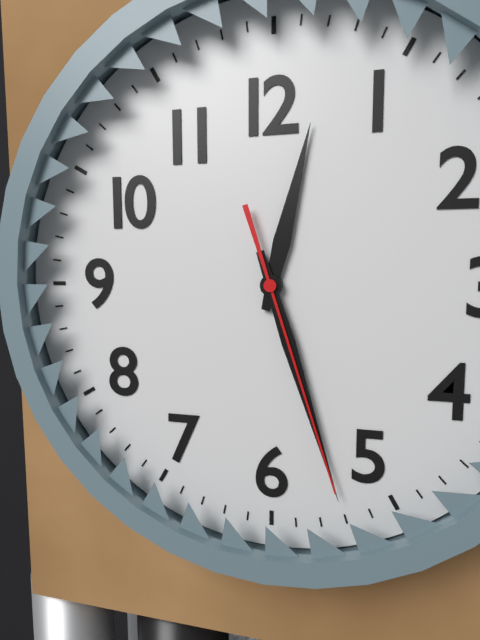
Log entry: 12h27m27s
